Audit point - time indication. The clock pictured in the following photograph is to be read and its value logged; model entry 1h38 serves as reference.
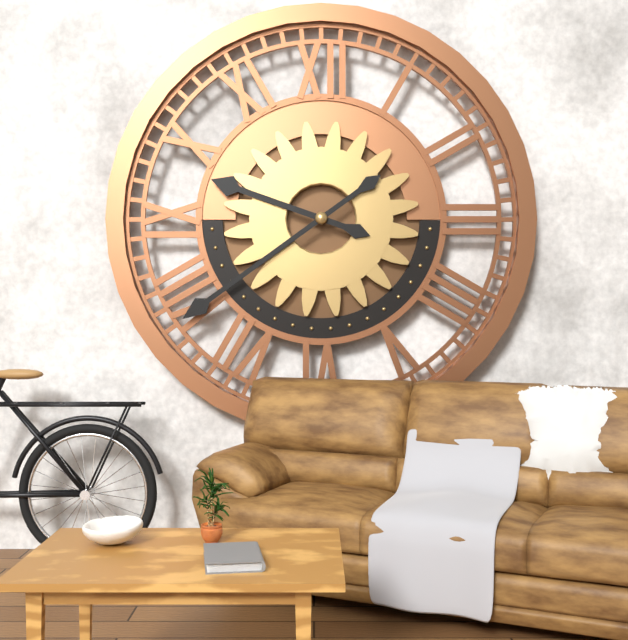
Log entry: 9h39
